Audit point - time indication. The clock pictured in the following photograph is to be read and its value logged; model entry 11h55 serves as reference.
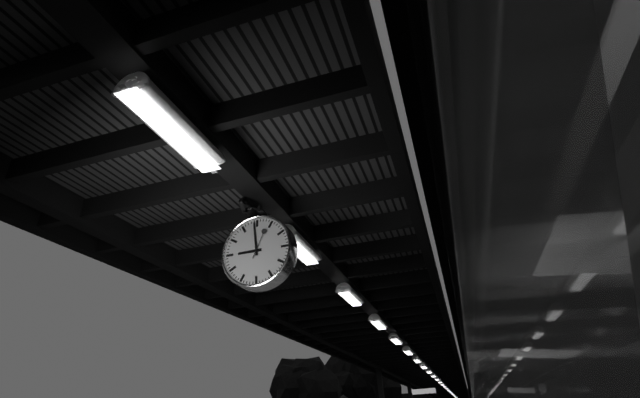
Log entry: 8h59
